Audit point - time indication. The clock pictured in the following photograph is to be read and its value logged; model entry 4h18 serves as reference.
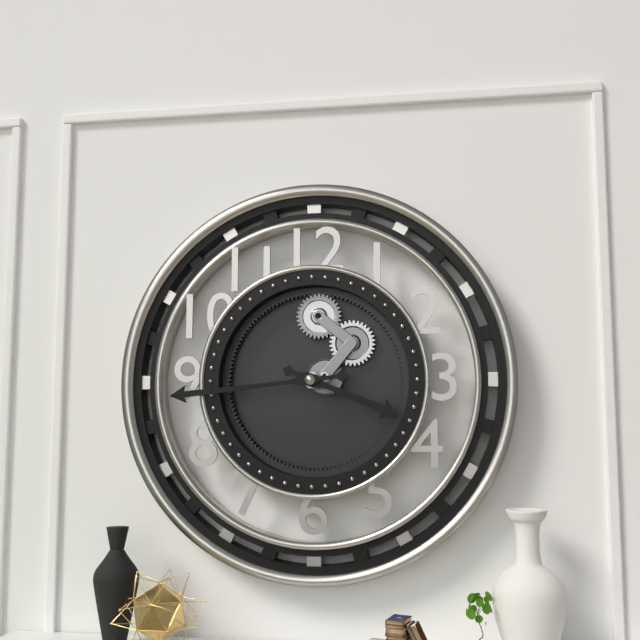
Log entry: 3h44
